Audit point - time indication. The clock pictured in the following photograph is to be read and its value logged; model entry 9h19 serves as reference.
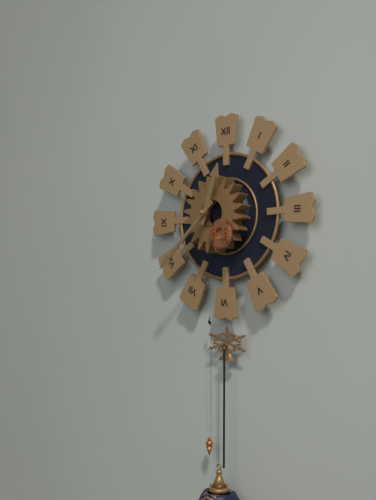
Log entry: 12h38
